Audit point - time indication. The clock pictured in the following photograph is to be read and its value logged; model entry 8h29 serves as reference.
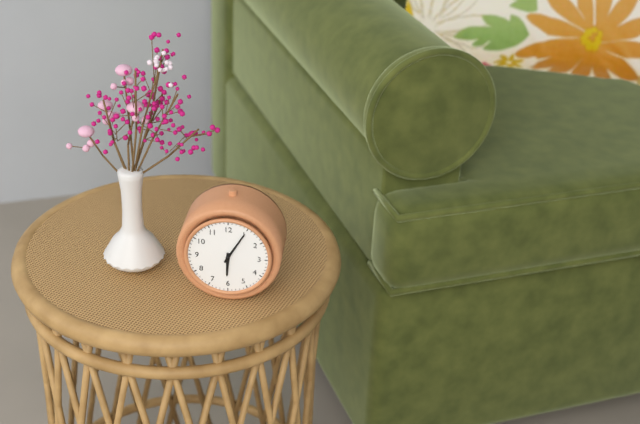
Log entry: 6h05
